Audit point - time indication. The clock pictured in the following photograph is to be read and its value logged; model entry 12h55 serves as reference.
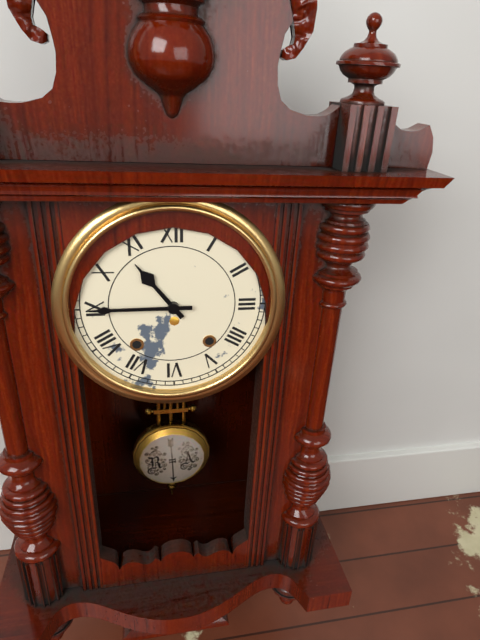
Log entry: 10h45
